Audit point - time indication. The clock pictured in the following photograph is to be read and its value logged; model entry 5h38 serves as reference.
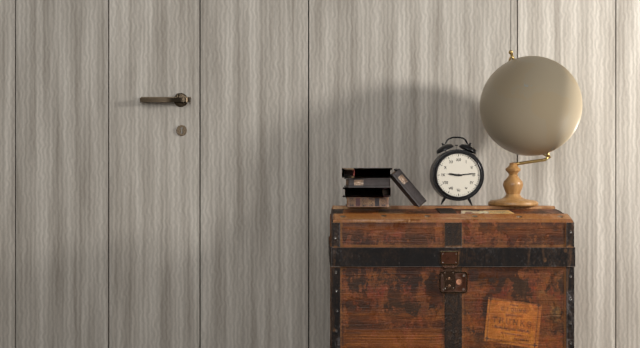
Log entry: 9h14
